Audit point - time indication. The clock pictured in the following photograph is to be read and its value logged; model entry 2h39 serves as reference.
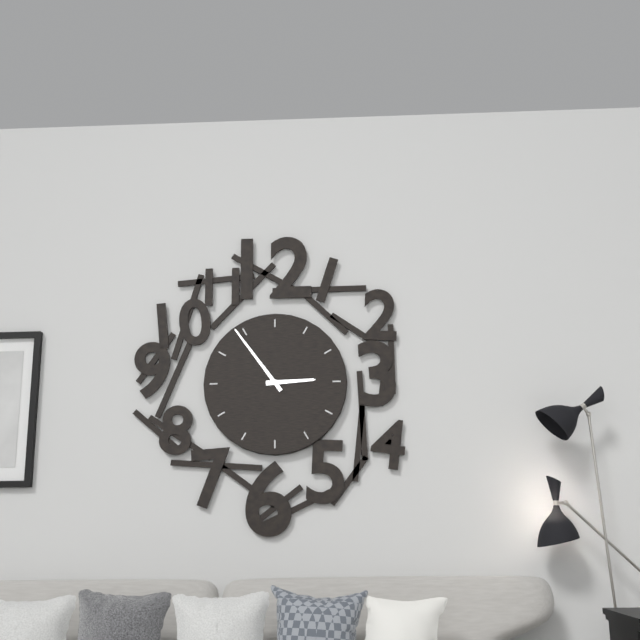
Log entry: 2h54
